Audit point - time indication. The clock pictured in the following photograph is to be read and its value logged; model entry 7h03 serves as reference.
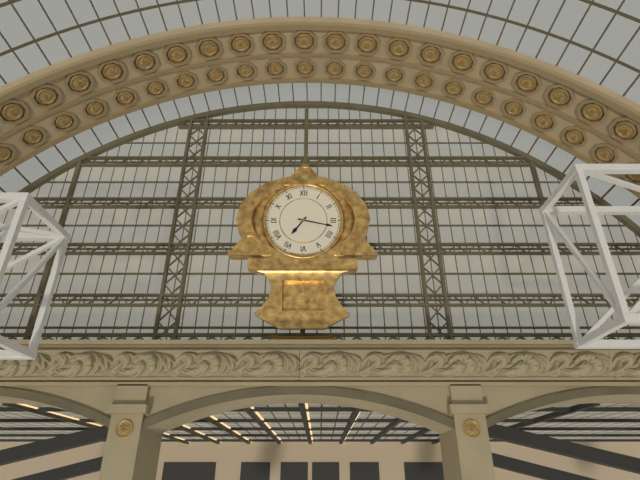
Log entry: 7h17
